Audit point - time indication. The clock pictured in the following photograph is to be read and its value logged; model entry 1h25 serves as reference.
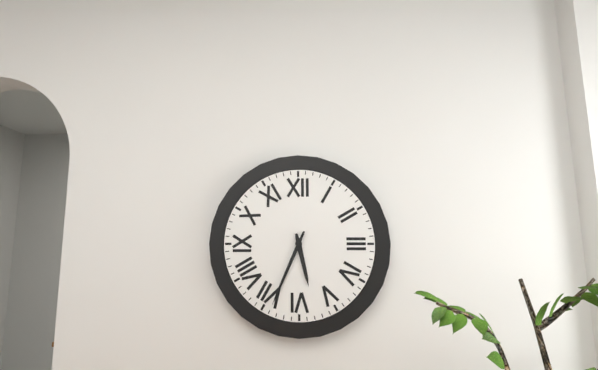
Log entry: 5h34
